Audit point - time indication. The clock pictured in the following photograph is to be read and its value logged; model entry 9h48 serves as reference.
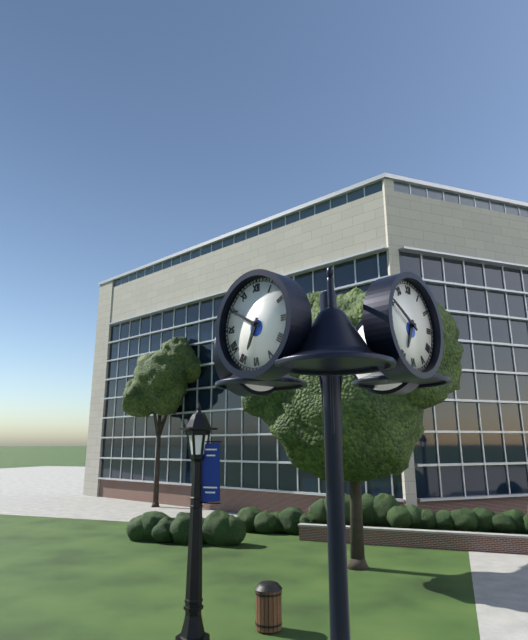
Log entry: 6h50
